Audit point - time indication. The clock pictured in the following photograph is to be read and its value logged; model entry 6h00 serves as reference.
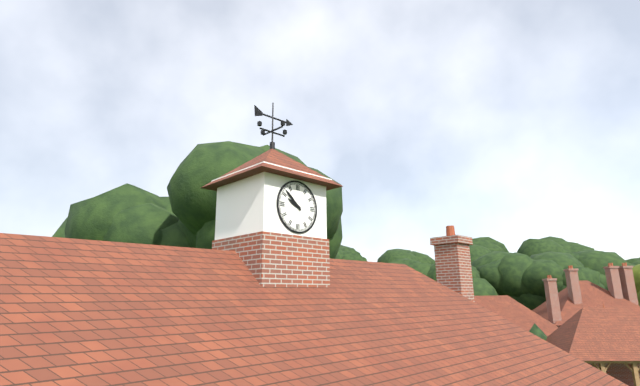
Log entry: 9h52
